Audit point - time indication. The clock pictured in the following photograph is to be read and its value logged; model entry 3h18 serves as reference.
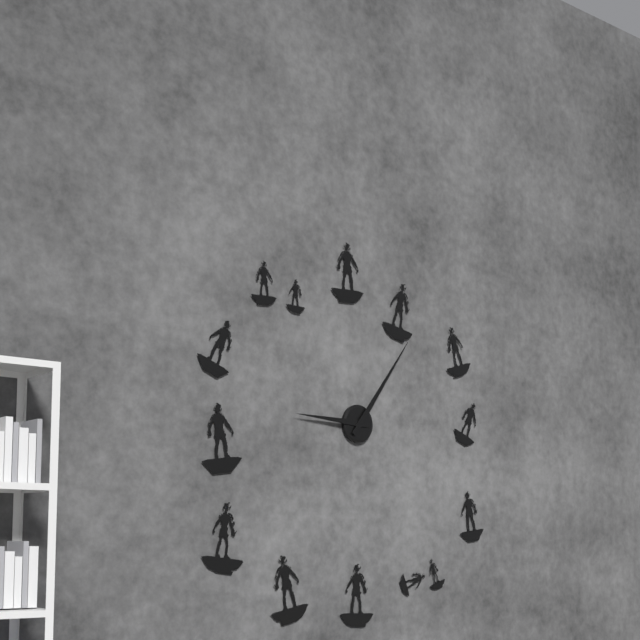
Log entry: 9h06
